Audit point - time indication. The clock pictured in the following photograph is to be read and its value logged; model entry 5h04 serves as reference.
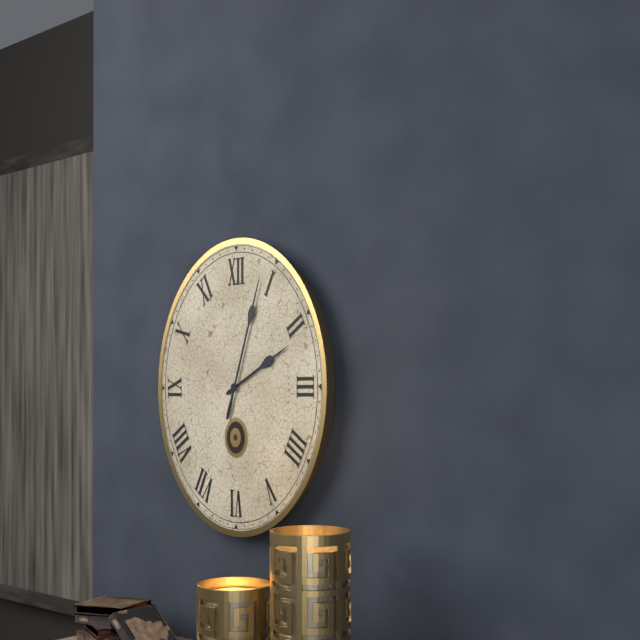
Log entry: 2h03
